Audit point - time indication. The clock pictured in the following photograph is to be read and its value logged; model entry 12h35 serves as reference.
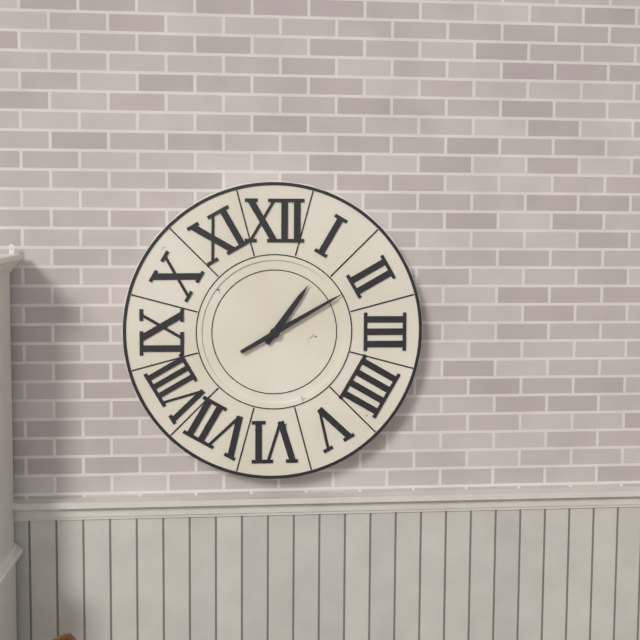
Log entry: 1h10
